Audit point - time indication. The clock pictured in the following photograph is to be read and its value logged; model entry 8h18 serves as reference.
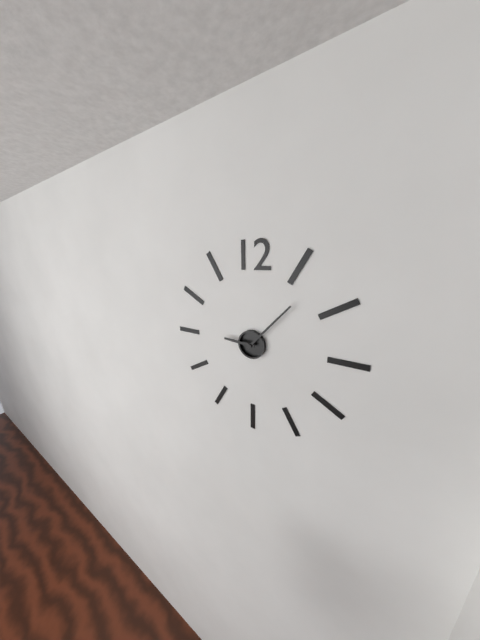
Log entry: 9h07
